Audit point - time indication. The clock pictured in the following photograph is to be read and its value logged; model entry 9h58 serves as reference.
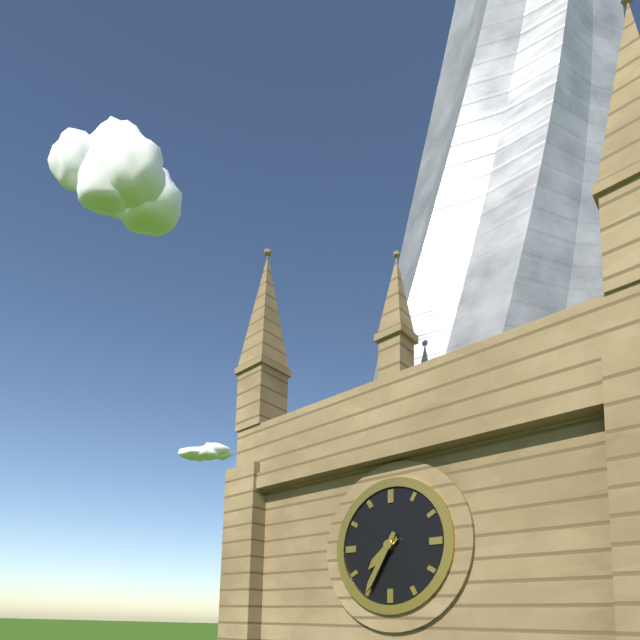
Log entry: 7h35
